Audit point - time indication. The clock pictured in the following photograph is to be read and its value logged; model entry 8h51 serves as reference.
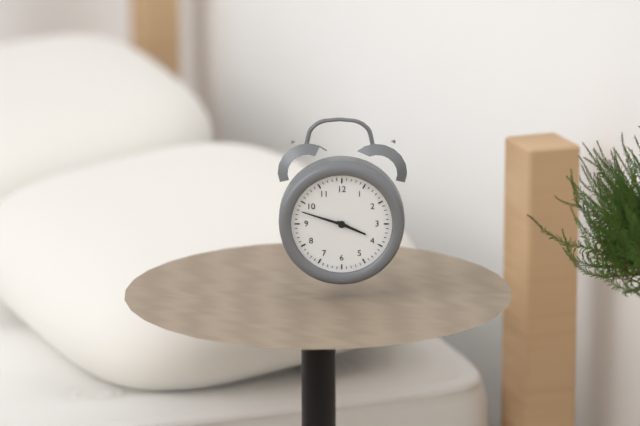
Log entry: 3h48
